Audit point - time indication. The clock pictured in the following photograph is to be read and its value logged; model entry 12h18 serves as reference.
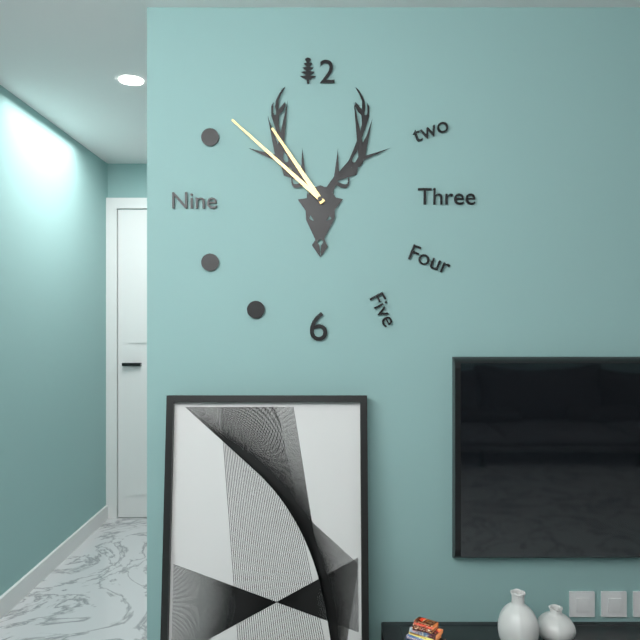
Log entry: 10h52
